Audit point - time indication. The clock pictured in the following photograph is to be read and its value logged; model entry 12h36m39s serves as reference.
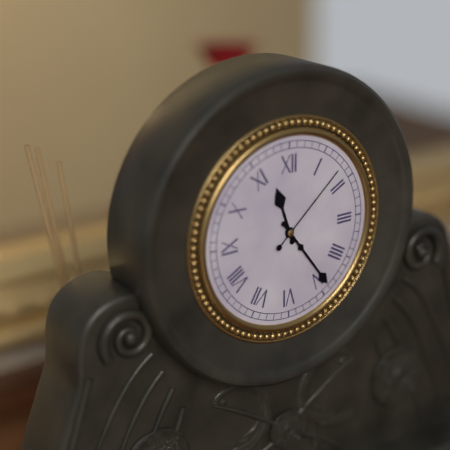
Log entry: 11h24m08s
